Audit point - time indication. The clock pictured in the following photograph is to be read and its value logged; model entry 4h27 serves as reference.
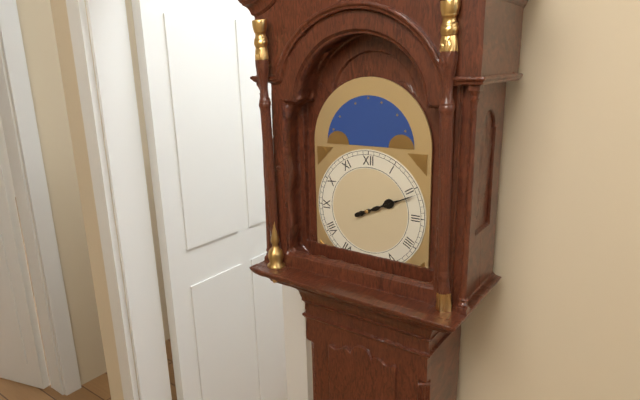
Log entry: 2h11
